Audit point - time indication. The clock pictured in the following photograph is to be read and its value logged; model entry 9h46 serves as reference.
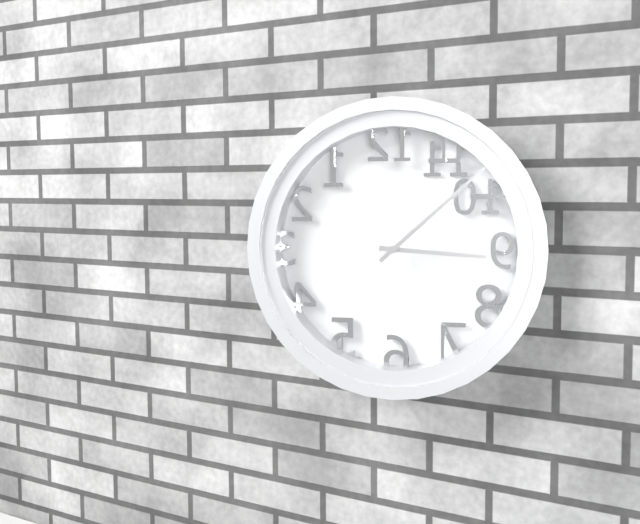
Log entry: 3h08
